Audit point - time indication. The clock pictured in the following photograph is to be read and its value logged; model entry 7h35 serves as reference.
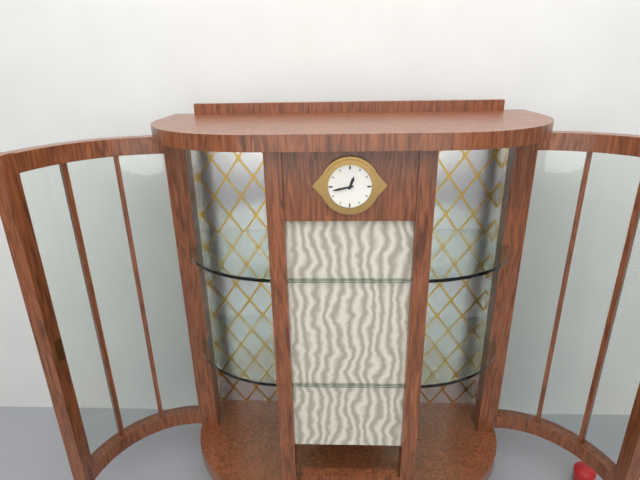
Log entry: 12h43
